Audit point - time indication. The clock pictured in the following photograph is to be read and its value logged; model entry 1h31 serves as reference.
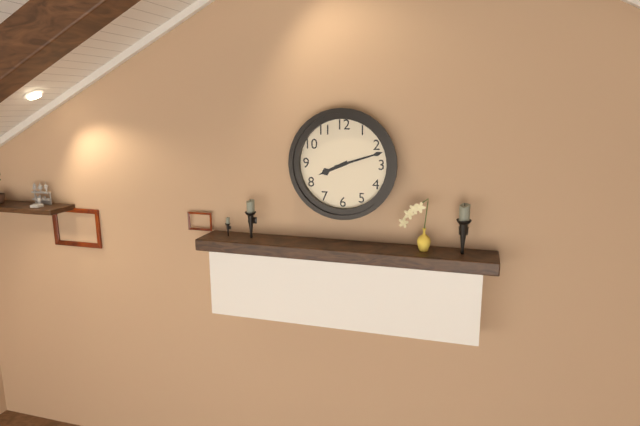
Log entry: 8h12
